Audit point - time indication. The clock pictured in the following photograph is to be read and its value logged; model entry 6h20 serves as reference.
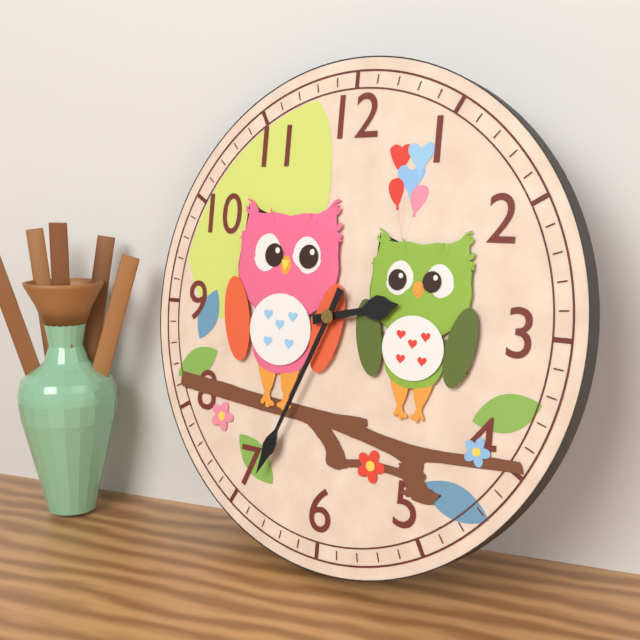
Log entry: 2h34
